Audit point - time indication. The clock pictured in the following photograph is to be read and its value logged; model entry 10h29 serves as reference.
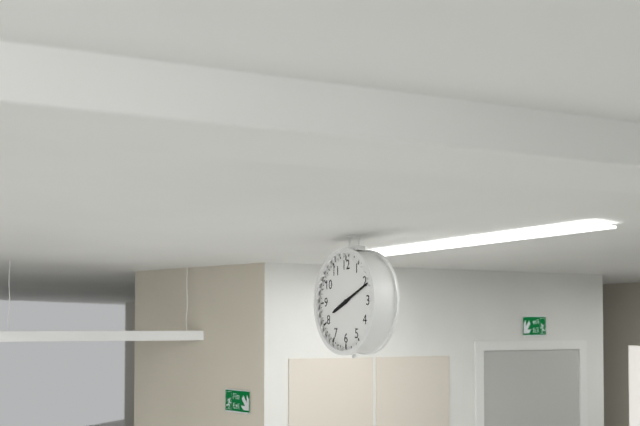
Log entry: 8h11
